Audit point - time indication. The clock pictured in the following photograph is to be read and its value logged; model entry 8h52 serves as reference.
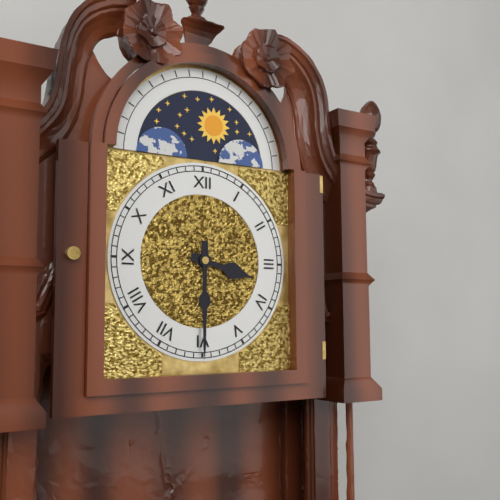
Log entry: 3h30
